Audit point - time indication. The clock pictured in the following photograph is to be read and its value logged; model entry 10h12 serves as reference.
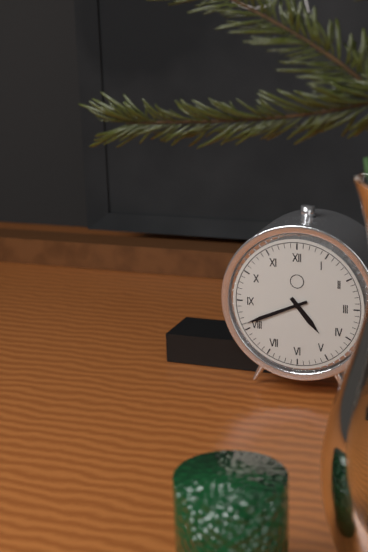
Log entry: 4h41
